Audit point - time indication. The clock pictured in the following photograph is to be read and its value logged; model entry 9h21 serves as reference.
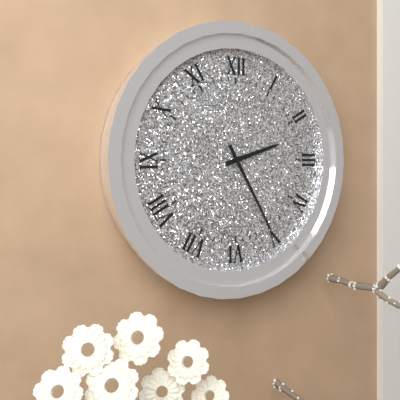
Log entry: 2h25
